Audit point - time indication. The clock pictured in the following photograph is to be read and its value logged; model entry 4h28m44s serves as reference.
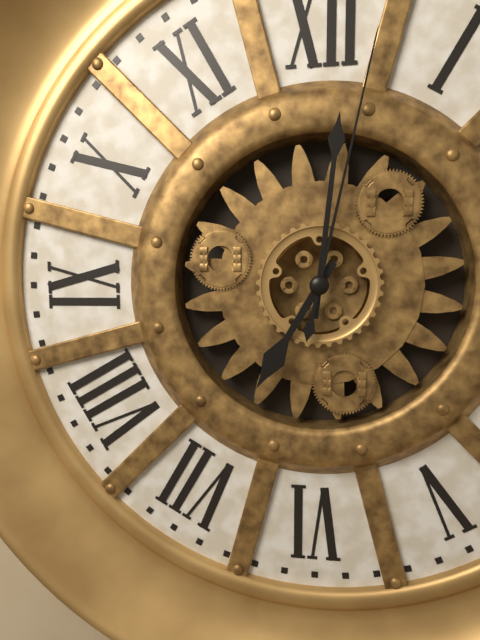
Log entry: 7h01m02s
